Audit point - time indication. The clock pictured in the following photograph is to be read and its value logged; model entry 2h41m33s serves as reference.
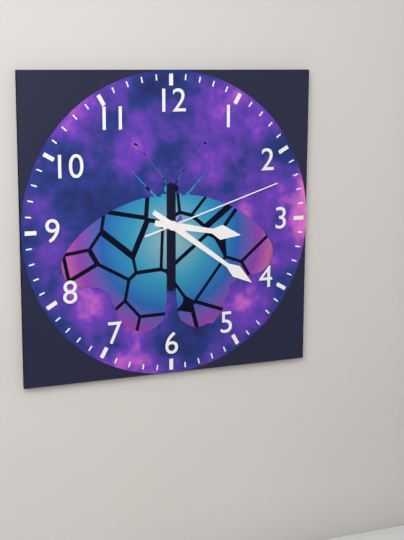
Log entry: 3h21m12s
